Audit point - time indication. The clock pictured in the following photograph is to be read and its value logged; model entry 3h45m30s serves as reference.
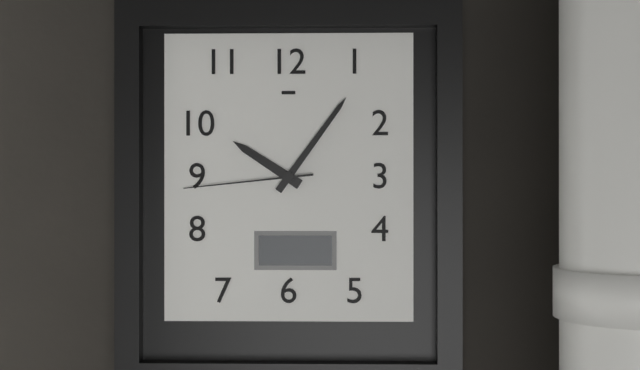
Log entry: 10h06m44s
